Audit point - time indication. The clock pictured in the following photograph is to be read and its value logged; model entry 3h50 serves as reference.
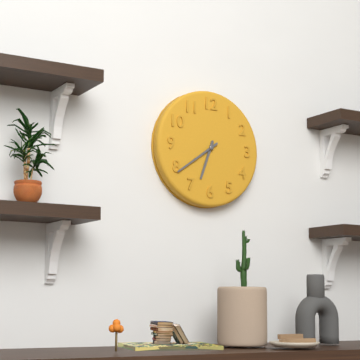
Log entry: 6h39
